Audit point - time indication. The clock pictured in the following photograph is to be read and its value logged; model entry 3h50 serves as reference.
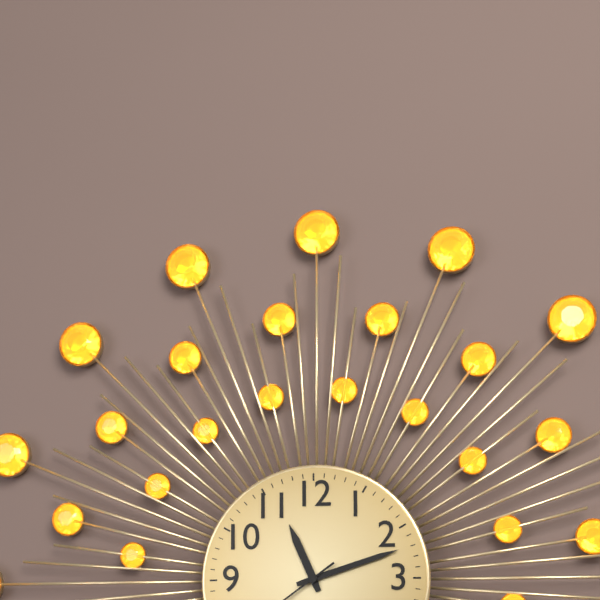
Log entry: 11h12
